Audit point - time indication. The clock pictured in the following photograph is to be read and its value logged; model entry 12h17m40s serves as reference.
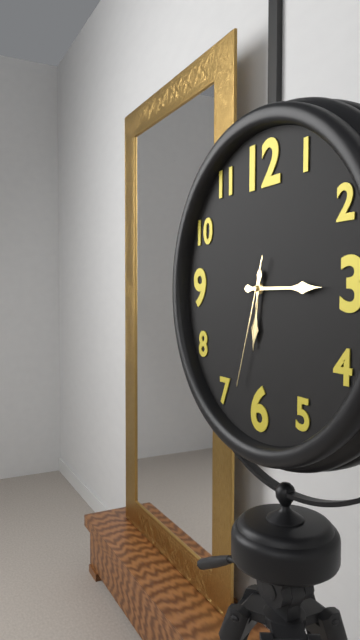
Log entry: 6h15m33s
